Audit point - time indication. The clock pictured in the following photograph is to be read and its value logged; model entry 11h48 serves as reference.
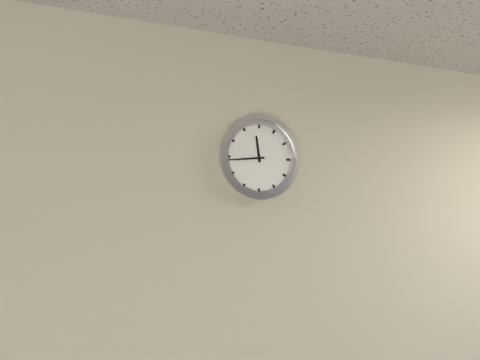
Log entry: 11h44
